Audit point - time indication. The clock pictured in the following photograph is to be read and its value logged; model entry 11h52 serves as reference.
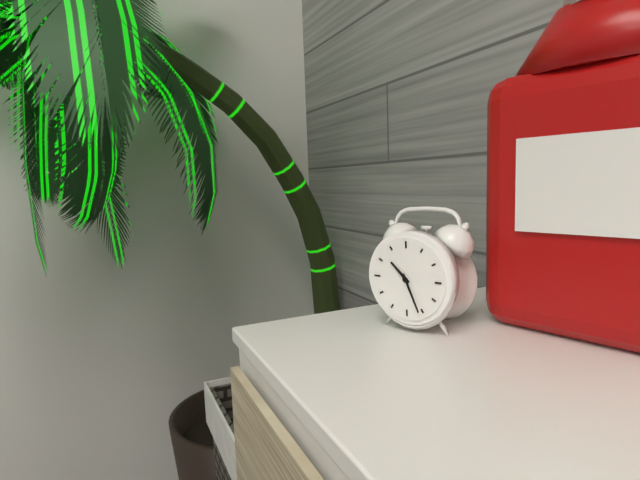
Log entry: 10h26
